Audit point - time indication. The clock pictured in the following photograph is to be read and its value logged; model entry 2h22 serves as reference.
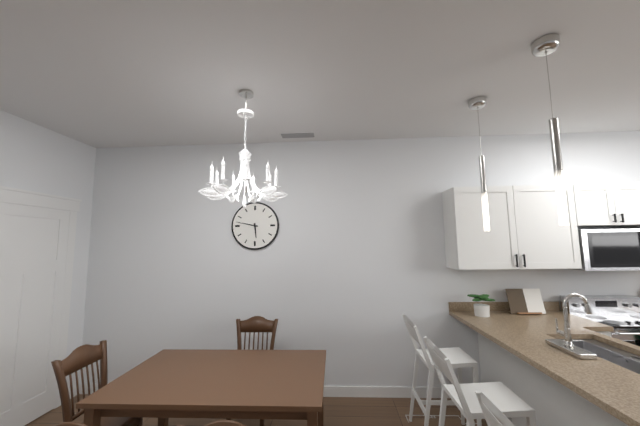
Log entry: 5h47
